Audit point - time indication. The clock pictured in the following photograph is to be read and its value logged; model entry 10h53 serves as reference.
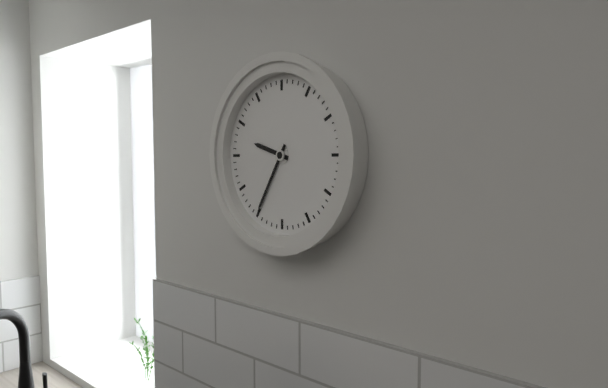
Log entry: 9h35
